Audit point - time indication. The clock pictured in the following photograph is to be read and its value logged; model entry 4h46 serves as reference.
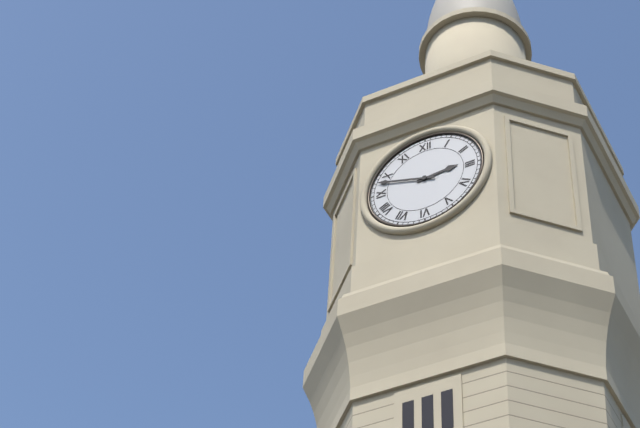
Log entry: 2h48
